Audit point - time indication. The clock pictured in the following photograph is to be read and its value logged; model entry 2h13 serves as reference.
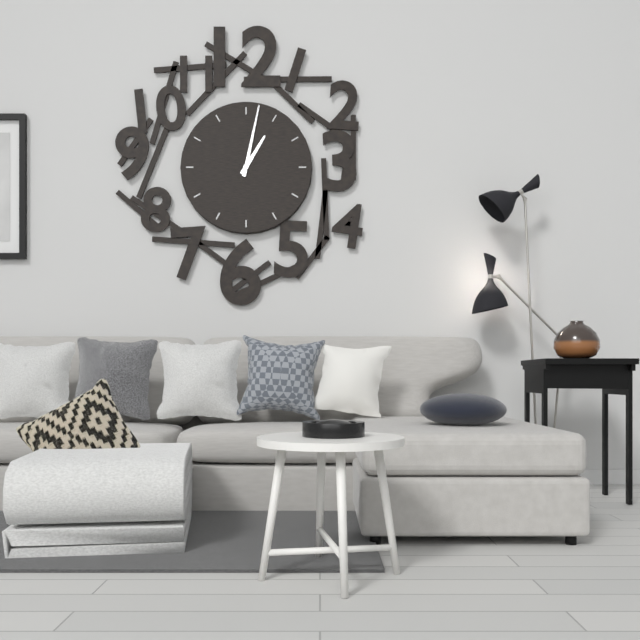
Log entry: 1h02
